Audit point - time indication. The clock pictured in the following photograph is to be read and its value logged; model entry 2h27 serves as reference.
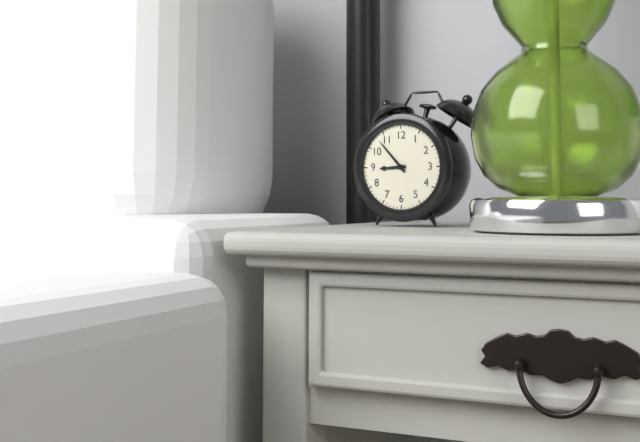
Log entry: 8h53
